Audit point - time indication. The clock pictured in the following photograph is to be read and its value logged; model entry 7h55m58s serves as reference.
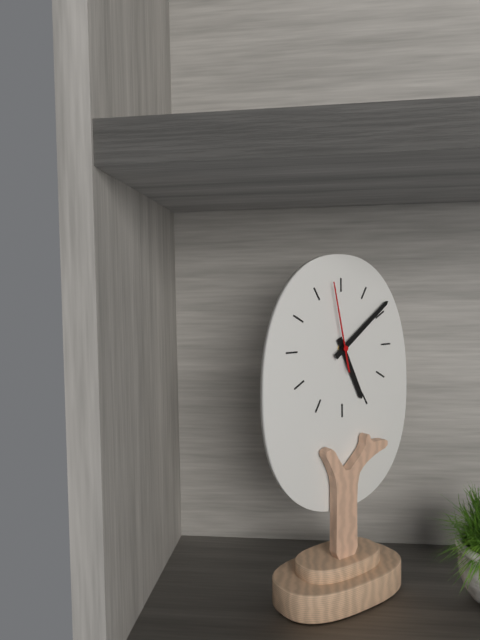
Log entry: 5h09m58s
